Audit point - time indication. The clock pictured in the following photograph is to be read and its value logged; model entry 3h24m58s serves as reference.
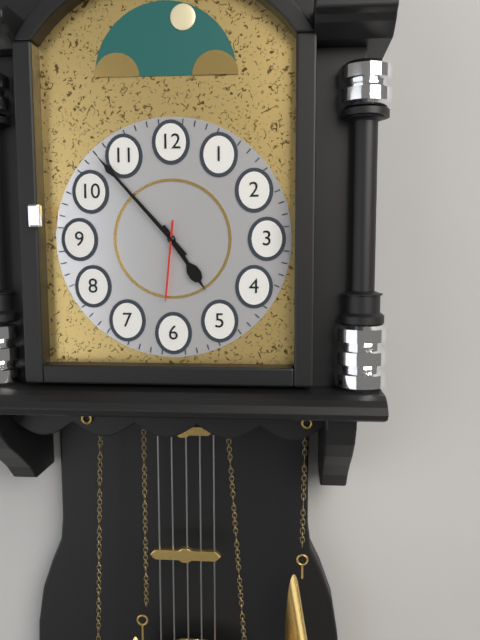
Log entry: 4h53m31s
